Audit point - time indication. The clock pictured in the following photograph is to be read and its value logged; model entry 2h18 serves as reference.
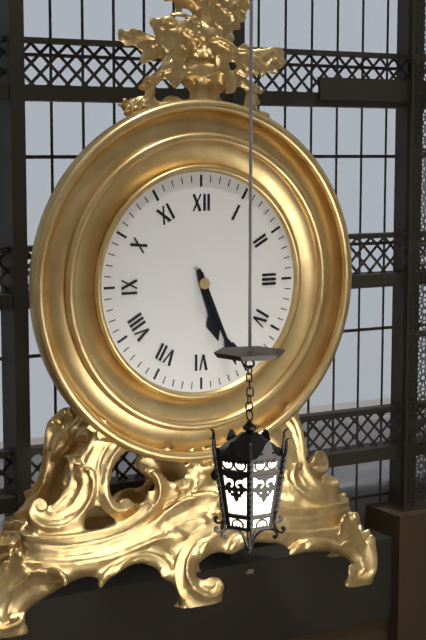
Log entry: 5h26
